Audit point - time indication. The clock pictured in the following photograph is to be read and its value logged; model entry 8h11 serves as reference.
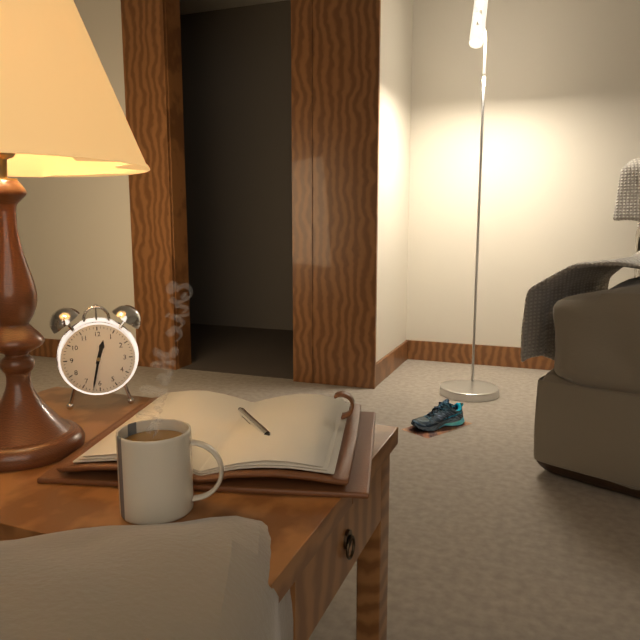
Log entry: 12h32
